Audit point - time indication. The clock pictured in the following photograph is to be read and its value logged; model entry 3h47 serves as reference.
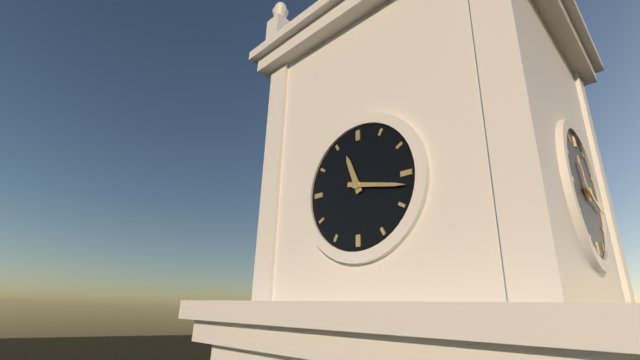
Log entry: 11h17
